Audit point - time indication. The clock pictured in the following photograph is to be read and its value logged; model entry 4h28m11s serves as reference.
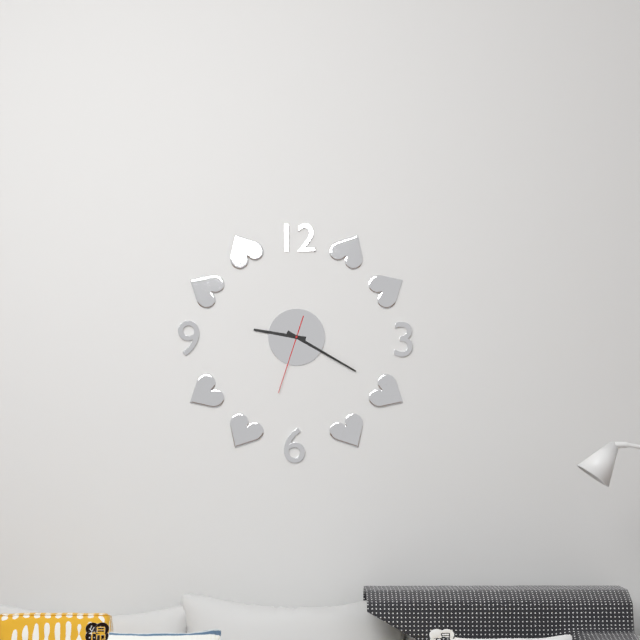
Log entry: 9h20m33s
